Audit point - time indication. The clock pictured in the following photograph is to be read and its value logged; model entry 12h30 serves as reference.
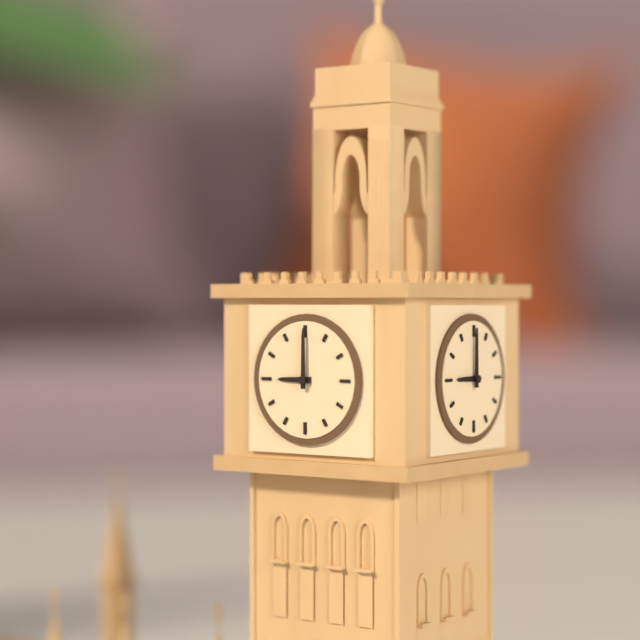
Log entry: 9h00
